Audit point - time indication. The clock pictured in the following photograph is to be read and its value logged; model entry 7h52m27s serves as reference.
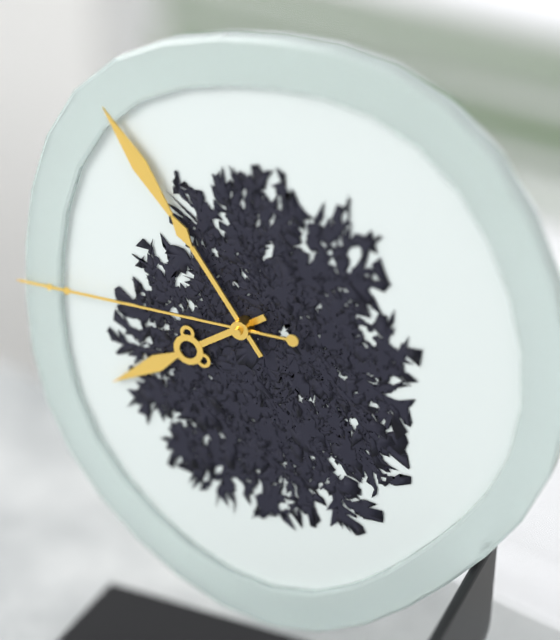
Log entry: 7h54m45s
